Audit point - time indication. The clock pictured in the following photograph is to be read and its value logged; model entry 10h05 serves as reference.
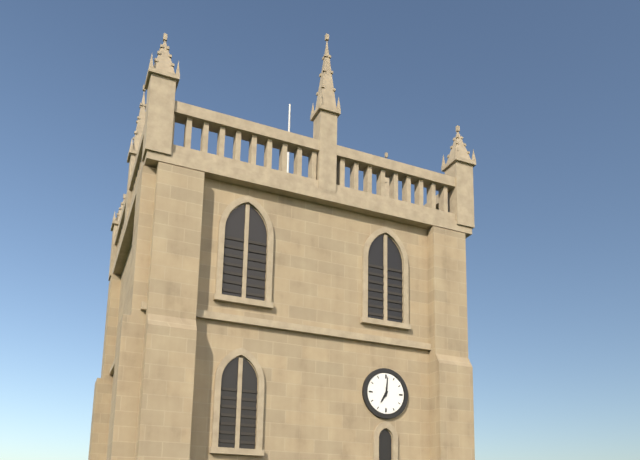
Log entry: 7h01
